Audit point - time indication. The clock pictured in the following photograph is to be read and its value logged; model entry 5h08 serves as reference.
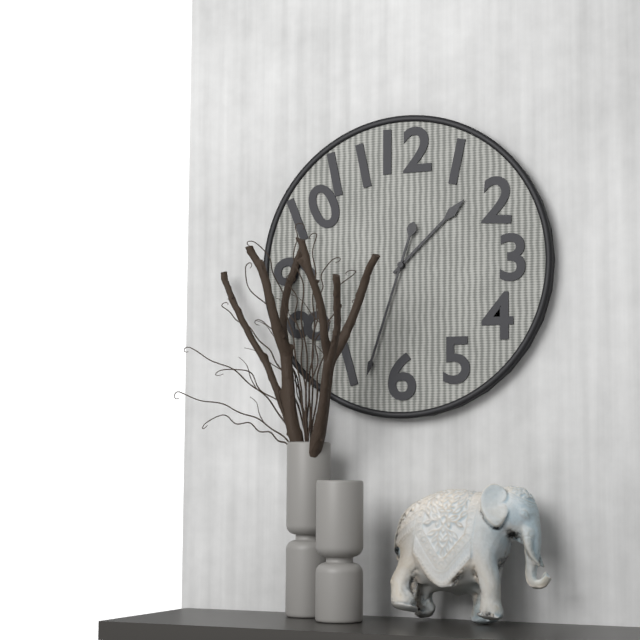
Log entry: 1h33
